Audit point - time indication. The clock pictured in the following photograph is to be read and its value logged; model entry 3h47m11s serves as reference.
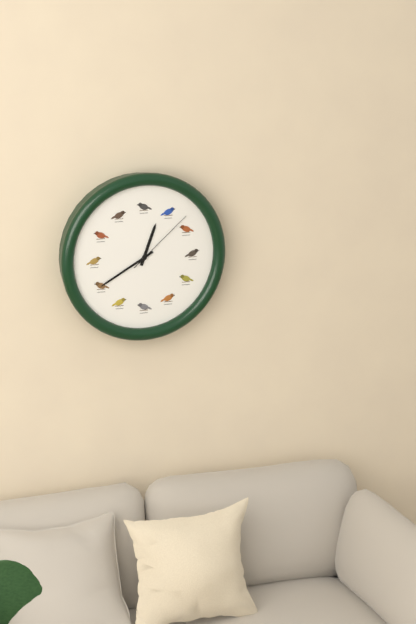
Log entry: 12h40m08s
